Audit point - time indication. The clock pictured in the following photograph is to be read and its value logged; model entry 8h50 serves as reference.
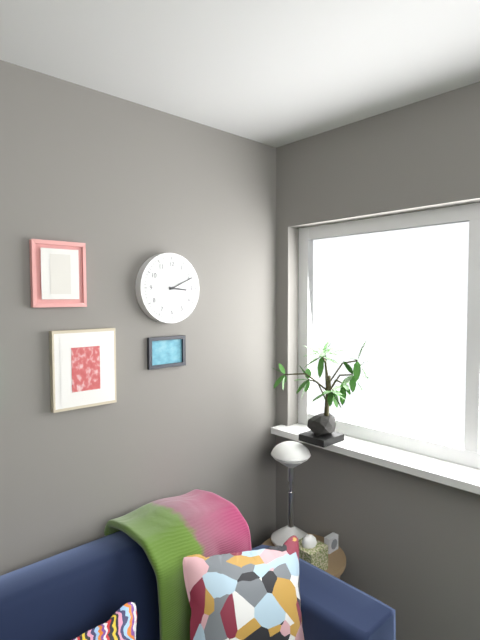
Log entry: 3h11
